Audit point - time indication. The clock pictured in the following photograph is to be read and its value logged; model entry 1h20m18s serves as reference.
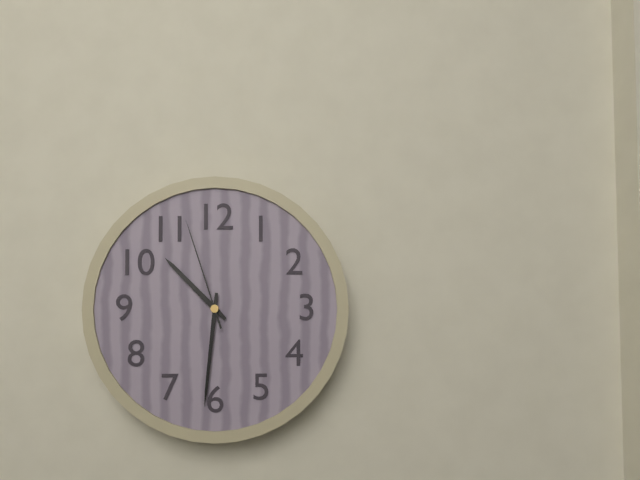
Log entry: 10h31m57s
